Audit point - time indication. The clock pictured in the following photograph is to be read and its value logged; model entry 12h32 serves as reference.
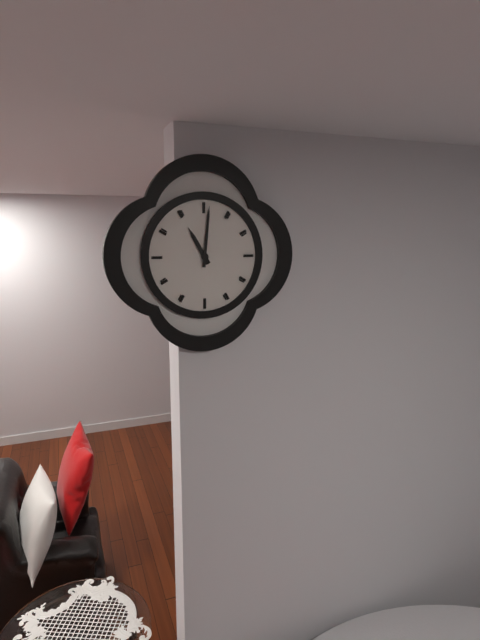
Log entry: 11h01
